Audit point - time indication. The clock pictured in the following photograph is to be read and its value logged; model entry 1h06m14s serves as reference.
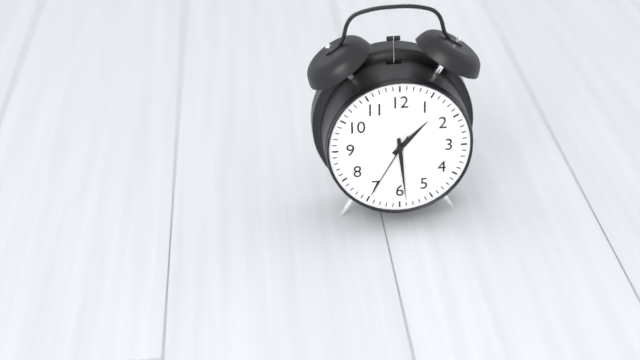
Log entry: 1h29m35s
